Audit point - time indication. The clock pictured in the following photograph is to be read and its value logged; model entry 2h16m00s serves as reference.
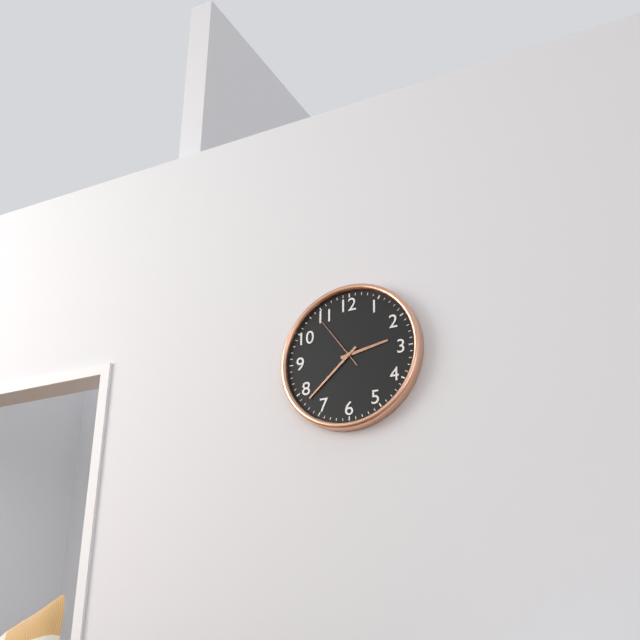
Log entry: 2h38m54s
